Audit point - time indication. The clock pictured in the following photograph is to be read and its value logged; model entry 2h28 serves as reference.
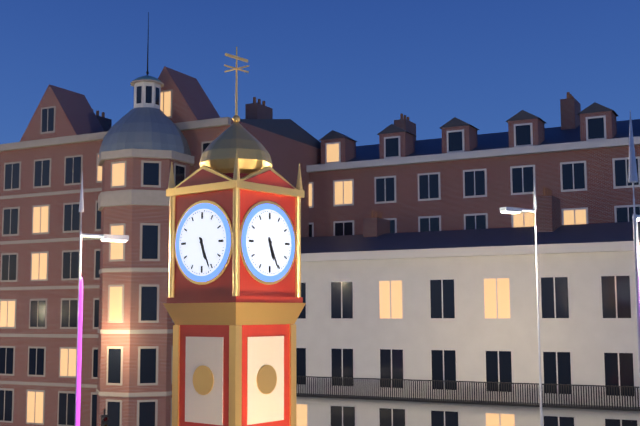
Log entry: 5h26
